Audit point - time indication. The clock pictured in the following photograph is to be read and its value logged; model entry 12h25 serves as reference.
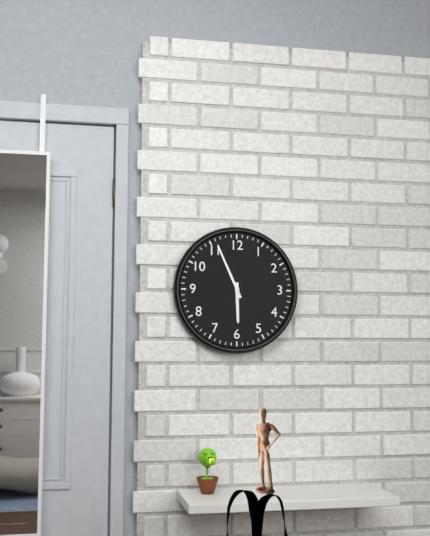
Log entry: 5h56
